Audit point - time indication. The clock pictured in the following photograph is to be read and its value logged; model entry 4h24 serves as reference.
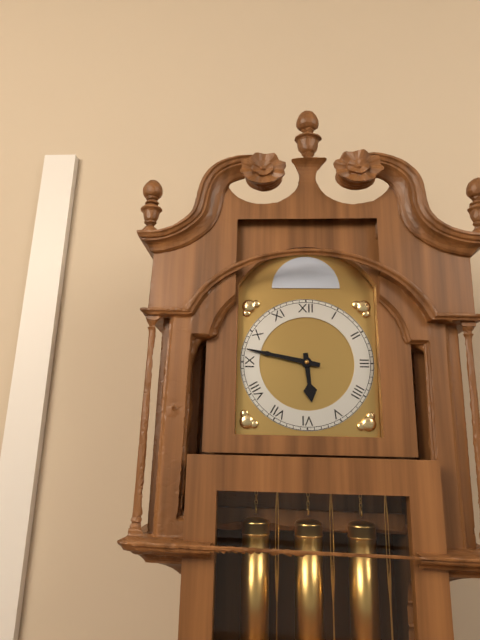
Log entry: 5h47
